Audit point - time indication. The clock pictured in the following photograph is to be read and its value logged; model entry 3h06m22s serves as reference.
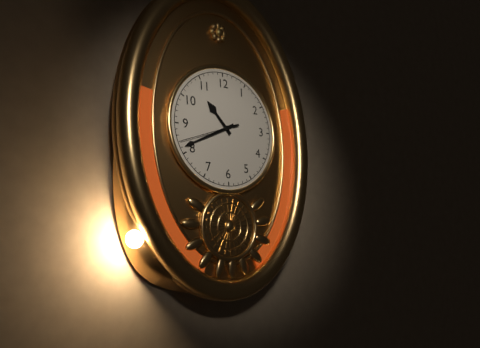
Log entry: 10h41m42s
